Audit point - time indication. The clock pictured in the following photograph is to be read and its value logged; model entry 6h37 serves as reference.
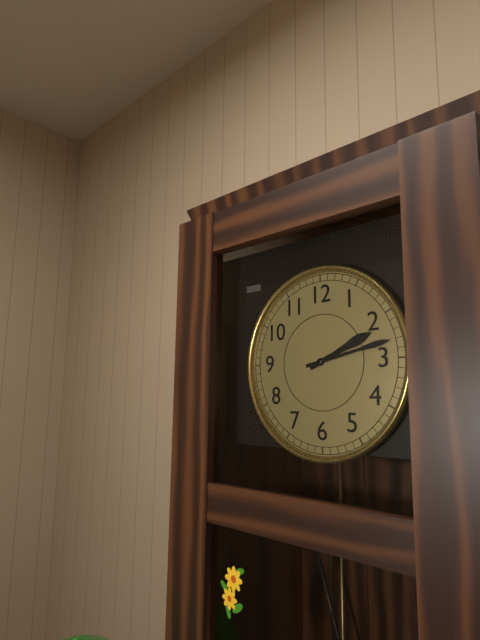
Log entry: 2h13
